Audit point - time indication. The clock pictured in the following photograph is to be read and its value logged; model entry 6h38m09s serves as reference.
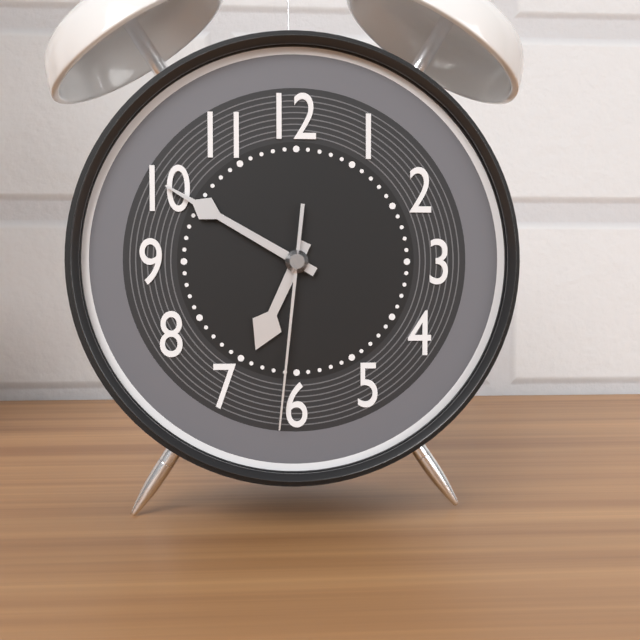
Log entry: 6h50m31s
